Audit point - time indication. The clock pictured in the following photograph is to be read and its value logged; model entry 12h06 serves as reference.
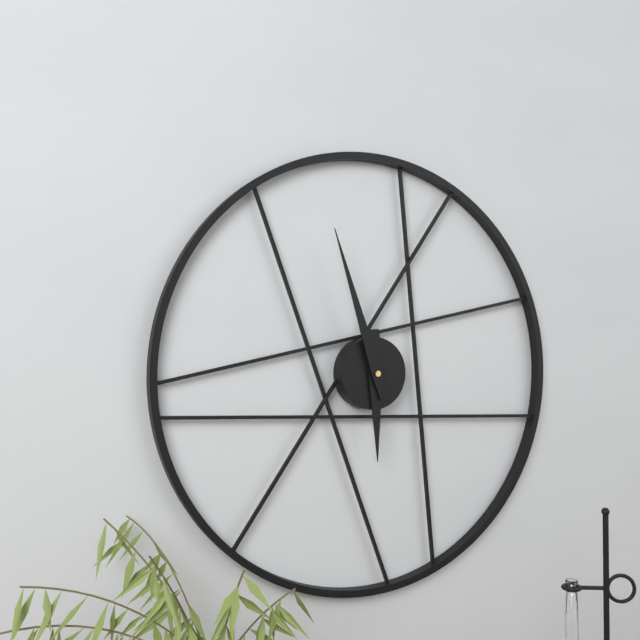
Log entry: 5h57
